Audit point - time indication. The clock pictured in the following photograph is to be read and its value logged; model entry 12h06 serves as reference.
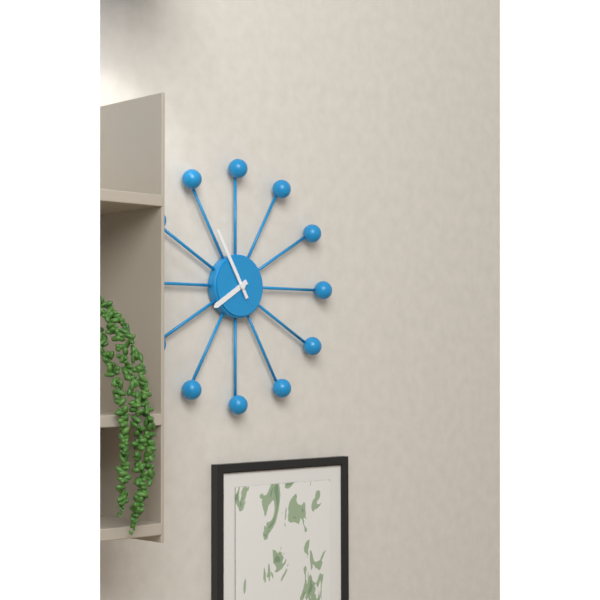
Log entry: 7h55
